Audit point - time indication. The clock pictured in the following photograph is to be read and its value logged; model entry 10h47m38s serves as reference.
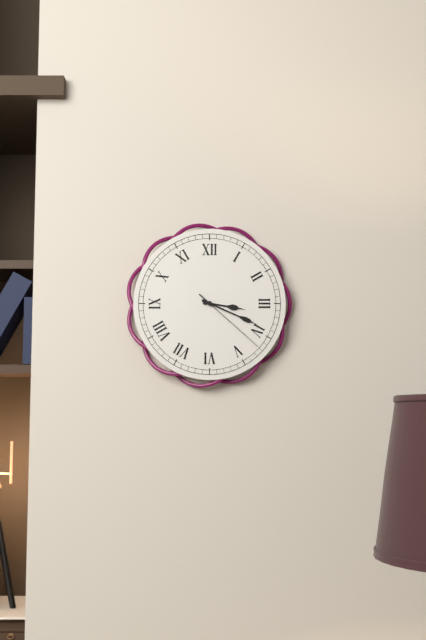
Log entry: 3h19m22s
